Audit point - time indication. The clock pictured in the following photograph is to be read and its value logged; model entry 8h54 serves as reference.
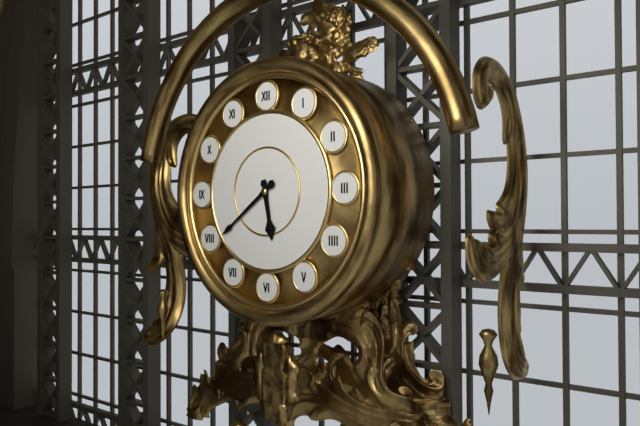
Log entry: 5h39
